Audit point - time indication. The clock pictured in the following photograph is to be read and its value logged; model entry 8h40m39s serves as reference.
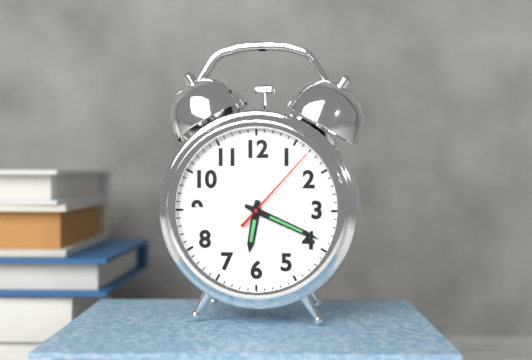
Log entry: 6h19m07s
